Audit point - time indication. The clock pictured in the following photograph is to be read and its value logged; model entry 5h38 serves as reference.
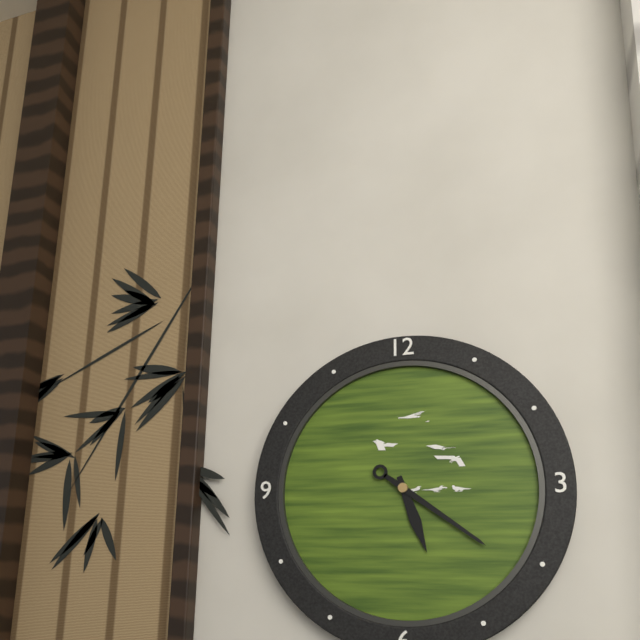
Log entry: 5h21
